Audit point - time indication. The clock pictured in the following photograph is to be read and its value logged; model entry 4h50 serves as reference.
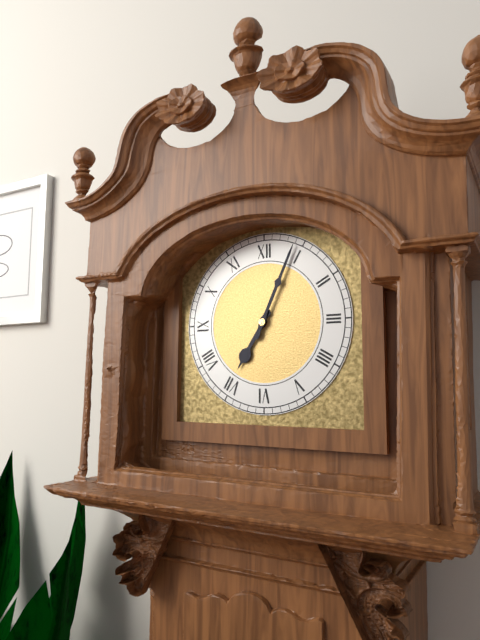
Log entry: 7h04
